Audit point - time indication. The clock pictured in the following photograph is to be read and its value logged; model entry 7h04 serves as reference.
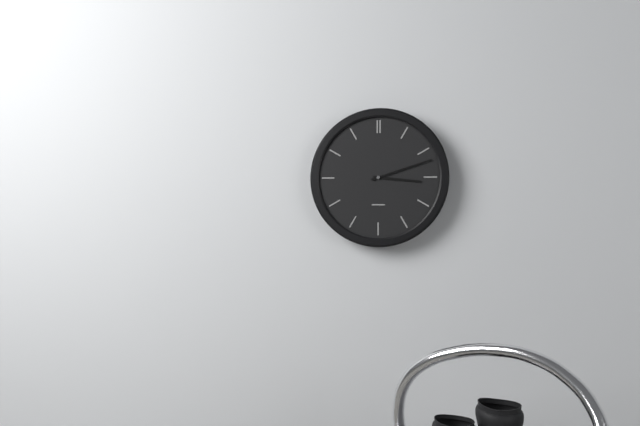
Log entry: 3h12
